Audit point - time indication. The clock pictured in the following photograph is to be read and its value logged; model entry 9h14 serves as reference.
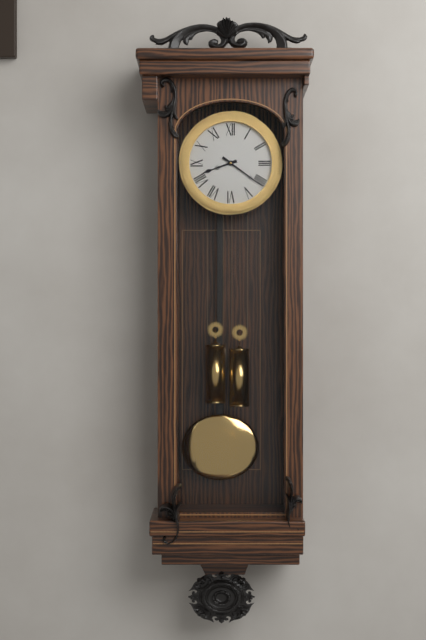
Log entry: 8h21
